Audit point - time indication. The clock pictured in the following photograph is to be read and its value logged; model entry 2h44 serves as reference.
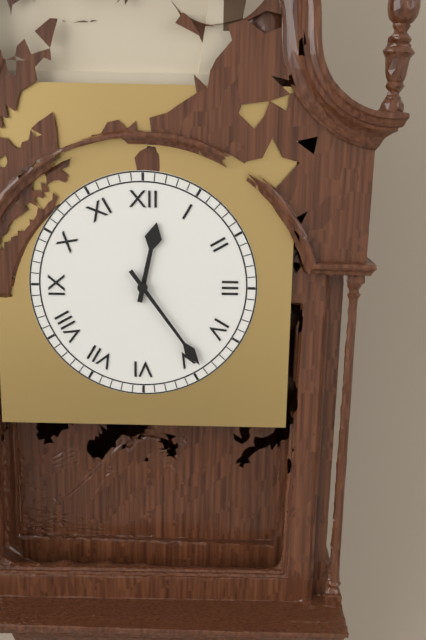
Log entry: 12h24
